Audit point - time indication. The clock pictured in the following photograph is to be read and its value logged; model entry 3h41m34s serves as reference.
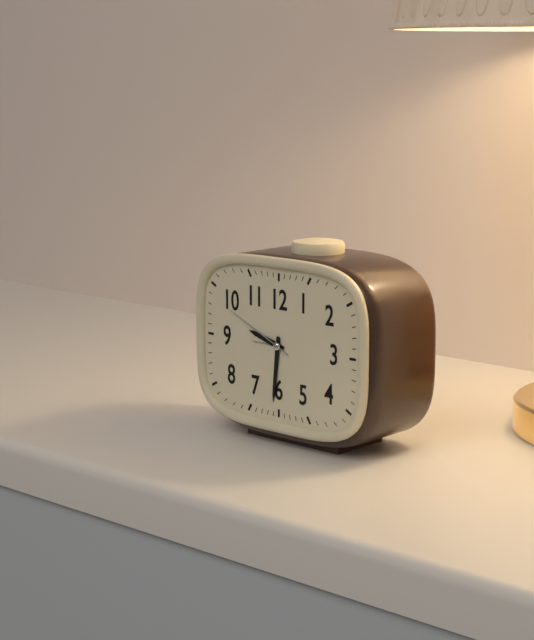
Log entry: 9h31m49s
